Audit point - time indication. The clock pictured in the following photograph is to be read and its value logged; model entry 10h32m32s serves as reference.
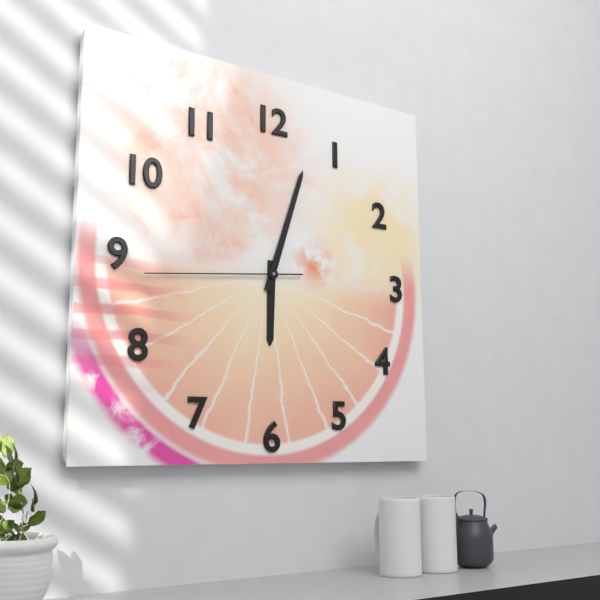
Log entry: 6h03m44s
